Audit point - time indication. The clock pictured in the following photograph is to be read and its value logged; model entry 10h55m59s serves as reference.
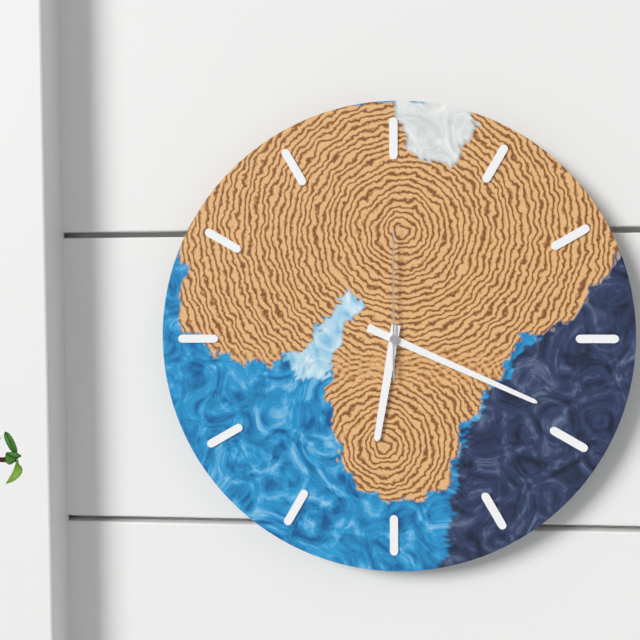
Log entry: 6h19m00s
